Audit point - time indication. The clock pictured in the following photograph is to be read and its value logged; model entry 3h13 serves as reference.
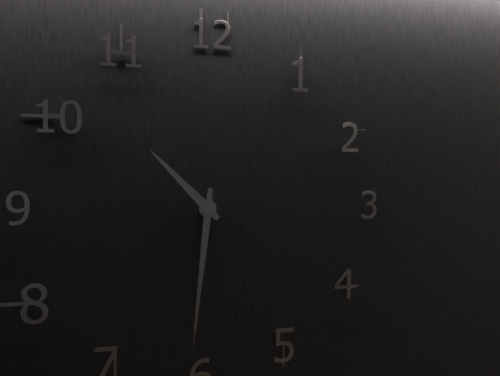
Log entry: 10h31
